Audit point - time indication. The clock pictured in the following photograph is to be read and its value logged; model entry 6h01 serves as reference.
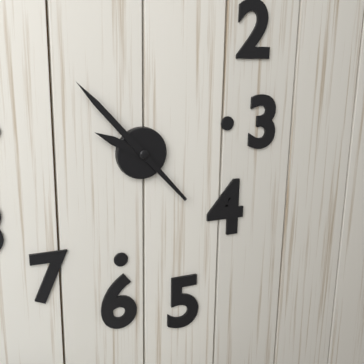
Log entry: 9h53
